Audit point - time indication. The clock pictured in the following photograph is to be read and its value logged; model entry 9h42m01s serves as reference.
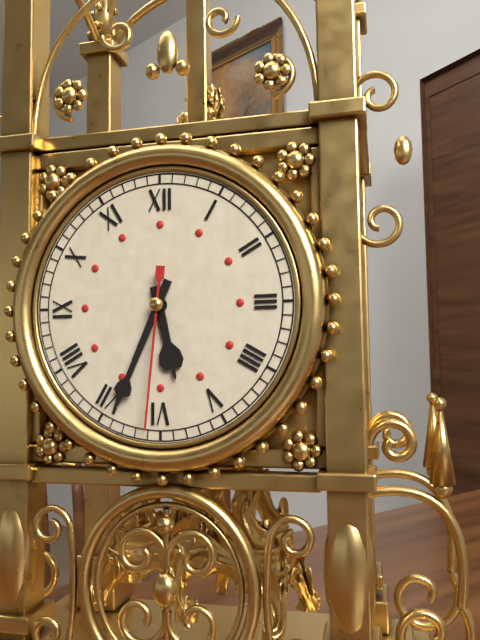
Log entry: 5h34m31s
